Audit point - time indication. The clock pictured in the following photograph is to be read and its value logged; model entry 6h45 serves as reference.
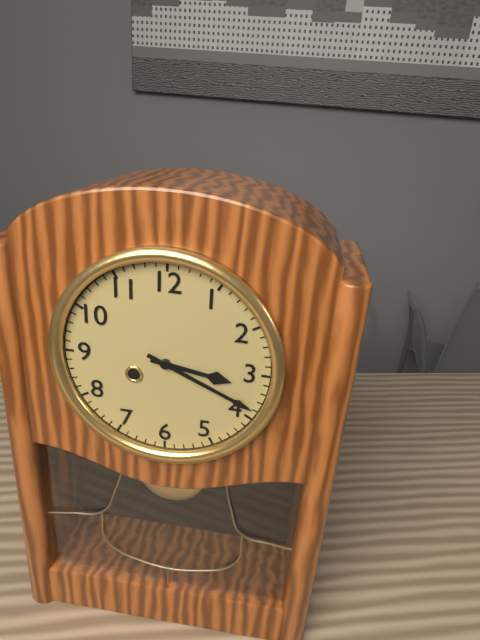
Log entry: 3h19
